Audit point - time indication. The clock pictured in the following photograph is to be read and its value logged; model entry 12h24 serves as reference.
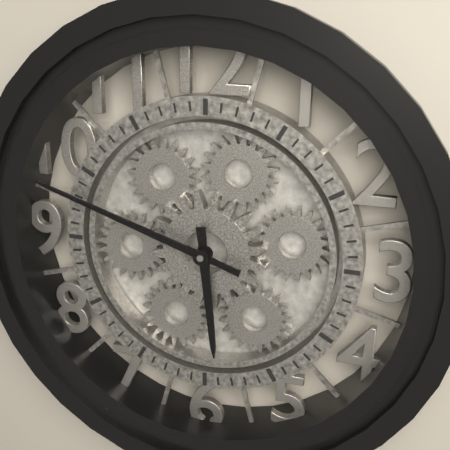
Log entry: 5h48
